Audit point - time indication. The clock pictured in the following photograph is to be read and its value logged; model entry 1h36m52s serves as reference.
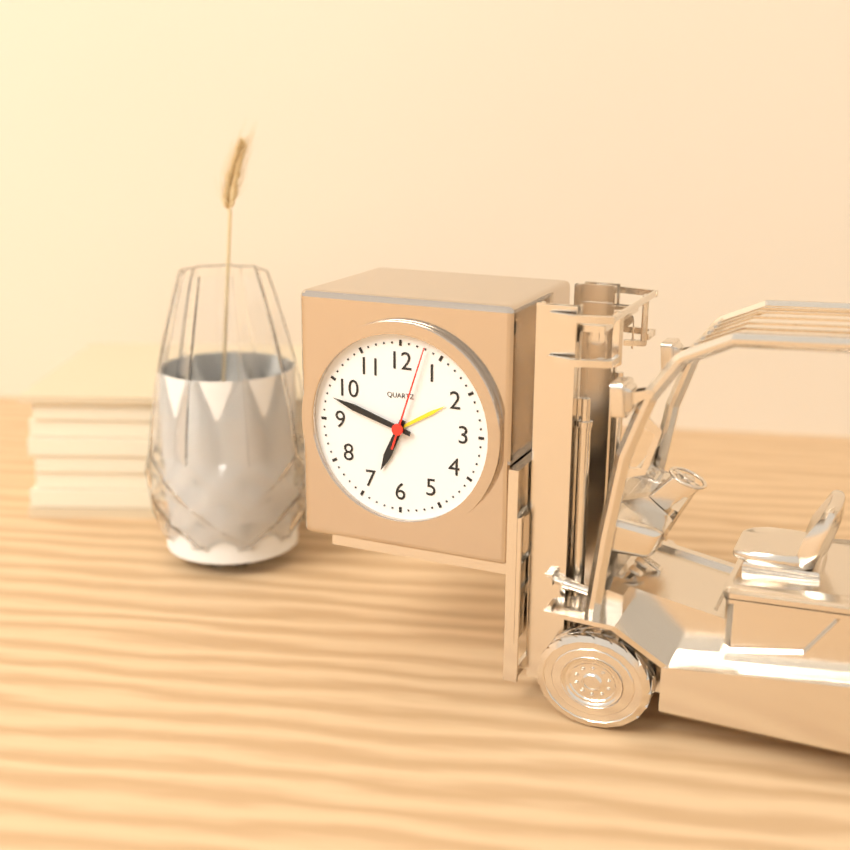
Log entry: 6h48m03s
